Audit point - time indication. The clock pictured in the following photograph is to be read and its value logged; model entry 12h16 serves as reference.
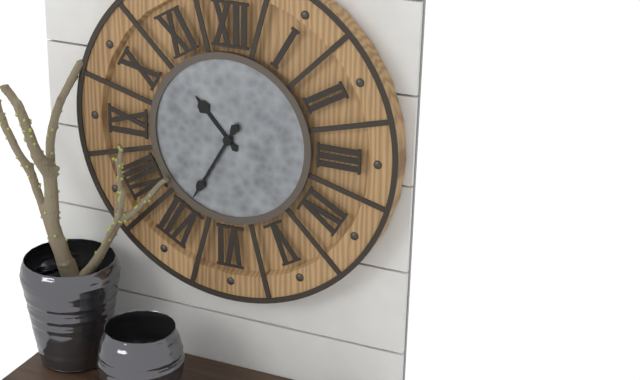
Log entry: 10h35
